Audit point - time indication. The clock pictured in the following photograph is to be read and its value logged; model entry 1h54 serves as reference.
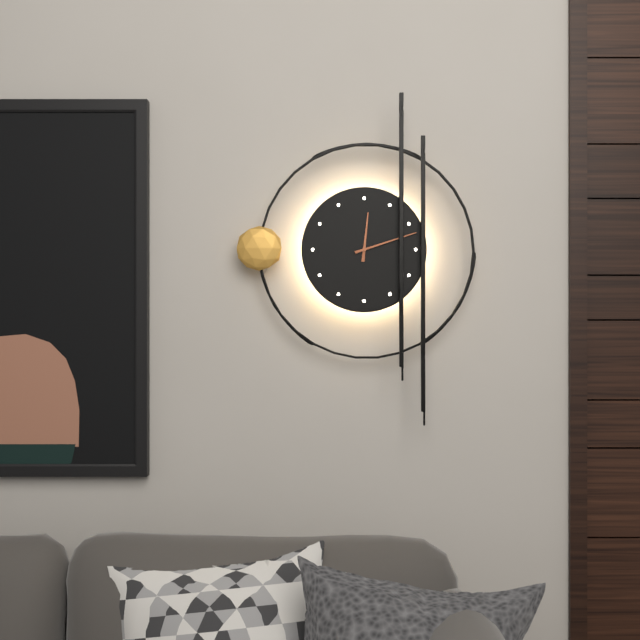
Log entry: 12h12
